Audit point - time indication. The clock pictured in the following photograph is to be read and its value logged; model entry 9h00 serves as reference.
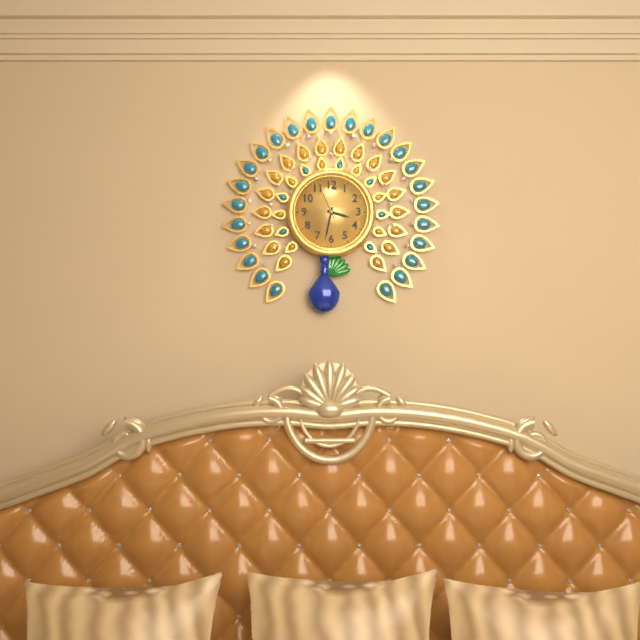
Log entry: 3h32
